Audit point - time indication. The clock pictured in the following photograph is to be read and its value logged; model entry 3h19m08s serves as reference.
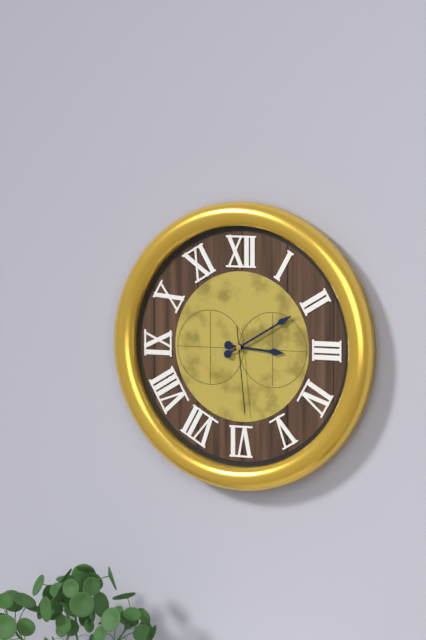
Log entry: 3h10m29s
